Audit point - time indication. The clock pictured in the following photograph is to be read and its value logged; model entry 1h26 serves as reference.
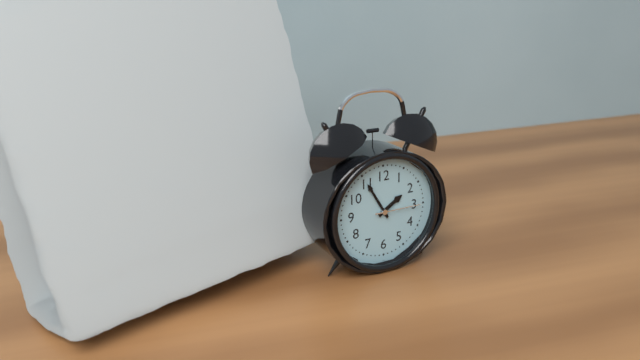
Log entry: 1h55
